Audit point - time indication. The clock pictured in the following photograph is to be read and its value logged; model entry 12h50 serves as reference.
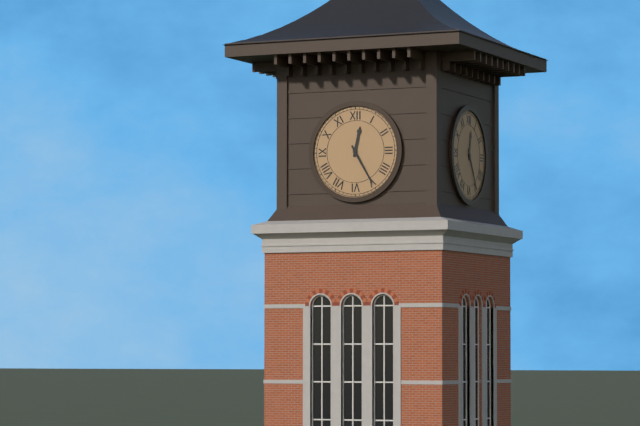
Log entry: 12h25
